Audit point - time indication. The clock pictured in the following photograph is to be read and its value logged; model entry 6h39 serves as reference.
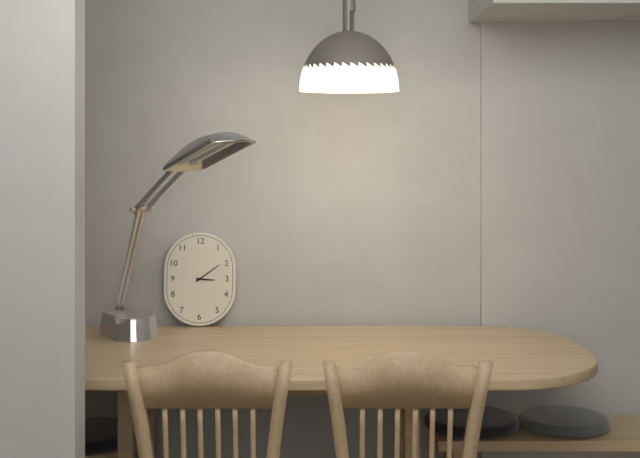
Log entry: 3h09
